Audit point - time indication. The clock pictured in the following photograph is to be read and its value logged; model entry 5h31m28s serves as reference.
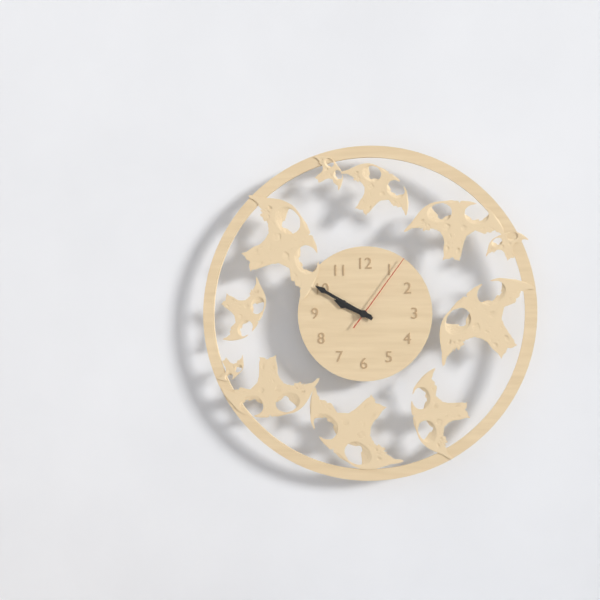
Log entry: 9h50m06s
